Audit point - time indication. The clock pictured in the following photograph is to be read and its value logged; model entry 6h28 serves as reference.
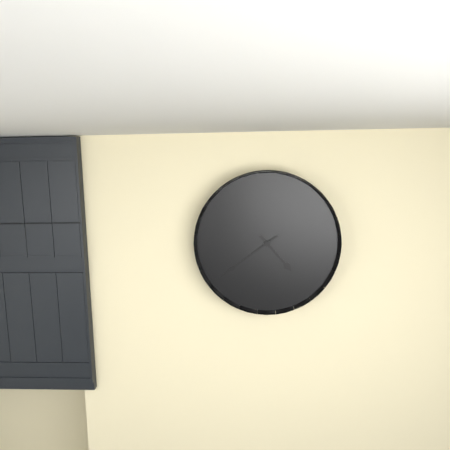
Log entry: 4h39
